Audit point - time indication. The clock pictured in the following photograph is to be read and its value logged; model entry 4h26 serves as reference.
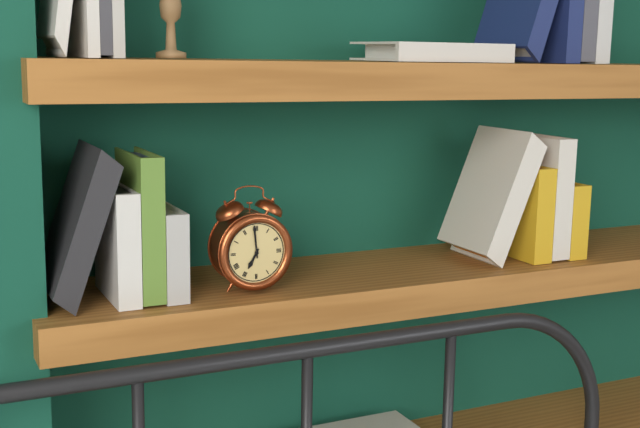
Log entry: 6h59
